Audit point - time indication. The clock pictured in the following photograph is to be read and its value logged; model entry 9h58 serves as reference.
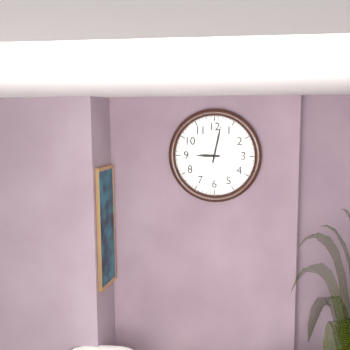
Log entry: 9h02
